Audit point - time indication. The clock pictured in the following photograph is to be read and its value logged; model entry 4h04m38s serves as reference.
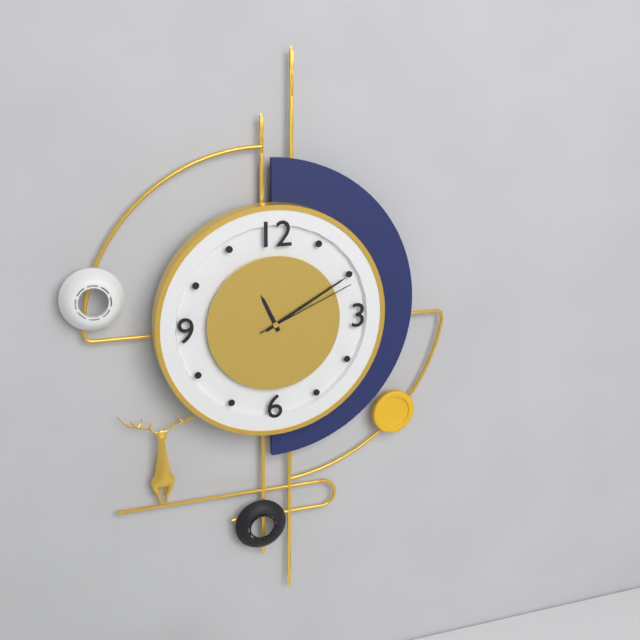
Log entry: 11h10m11s
